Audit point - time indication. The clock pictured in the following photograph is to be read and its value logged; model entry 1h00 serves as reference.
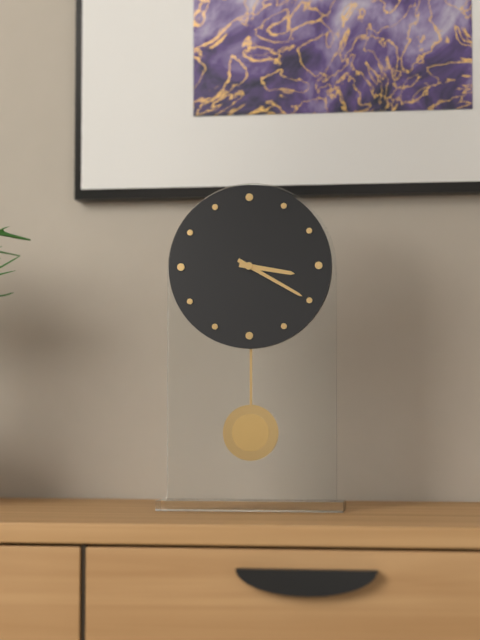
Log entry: 3h20
